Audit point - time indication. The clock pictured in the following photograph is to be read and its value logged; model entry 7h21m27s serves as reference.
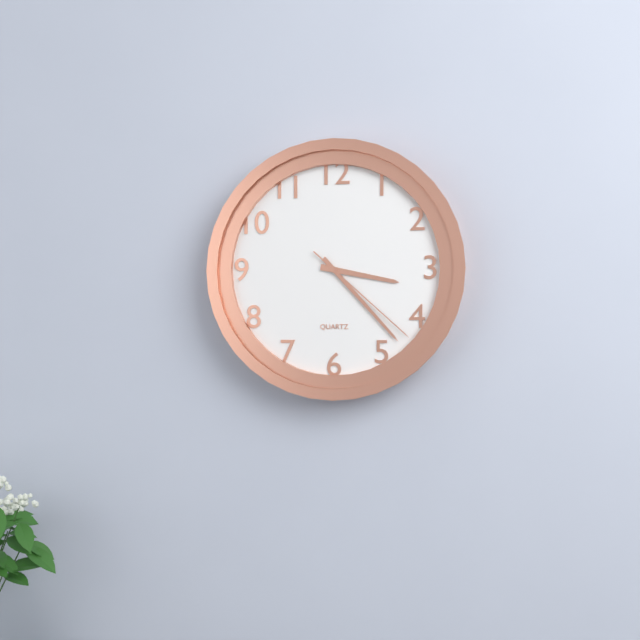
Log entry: 3h23m22s
